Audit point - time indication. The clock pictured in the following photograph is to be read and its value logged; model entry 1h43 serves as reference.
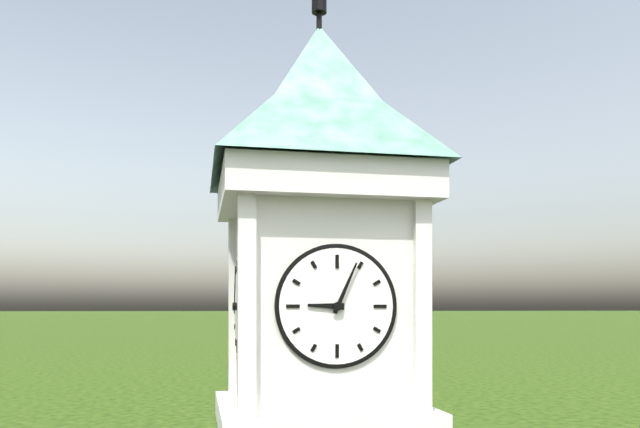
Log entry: 9h04
